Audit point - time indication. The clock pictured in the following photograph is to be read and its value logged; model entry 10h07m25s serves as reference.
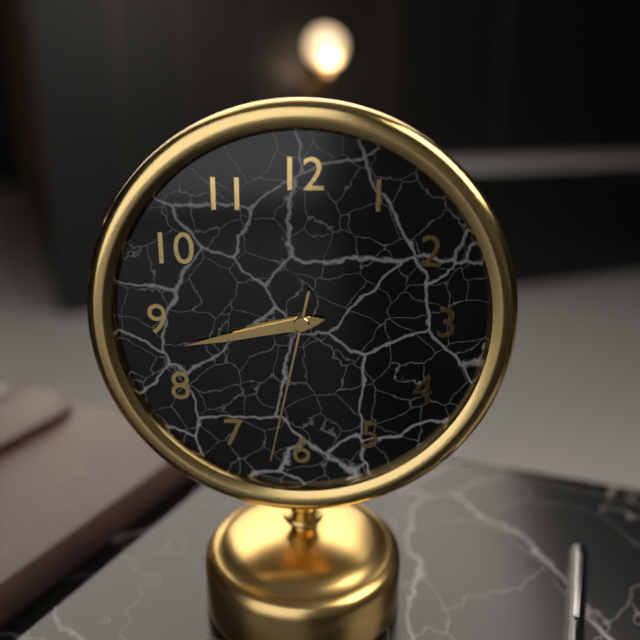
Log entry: 8h43m32s
